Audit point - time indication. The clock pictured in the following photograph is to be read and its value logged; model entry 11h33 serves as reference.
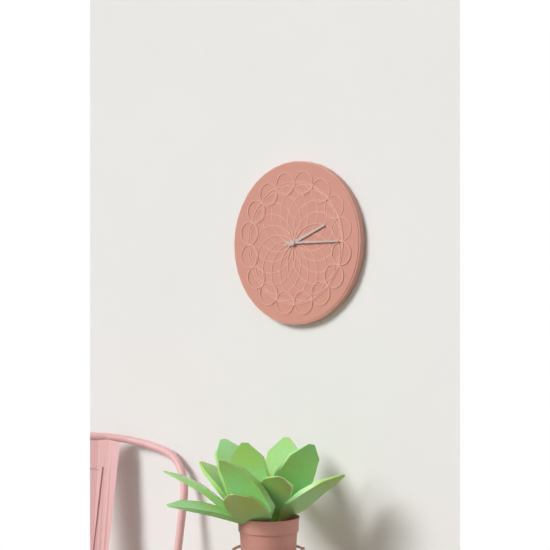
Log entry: 2h15
